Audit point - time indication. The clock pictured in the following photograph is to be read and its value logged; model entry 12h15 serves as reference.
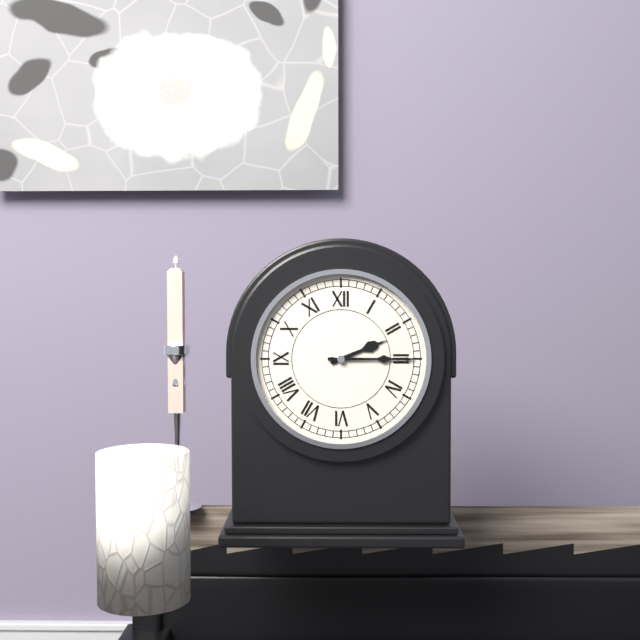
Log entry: 2h15
